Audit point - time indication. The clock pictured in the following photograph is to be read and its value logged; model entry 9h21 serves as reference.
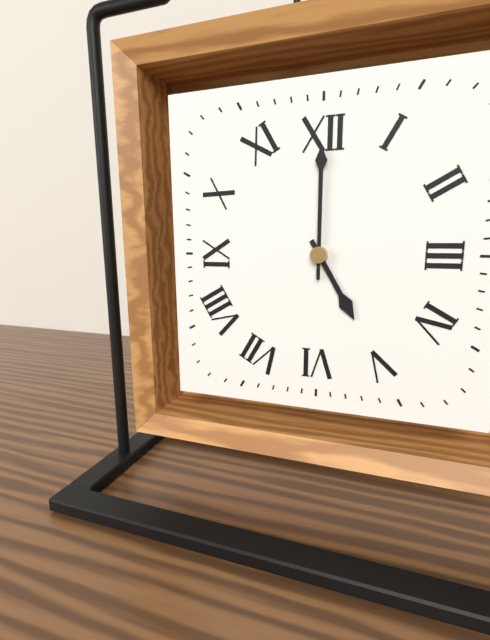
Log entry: 5h00
